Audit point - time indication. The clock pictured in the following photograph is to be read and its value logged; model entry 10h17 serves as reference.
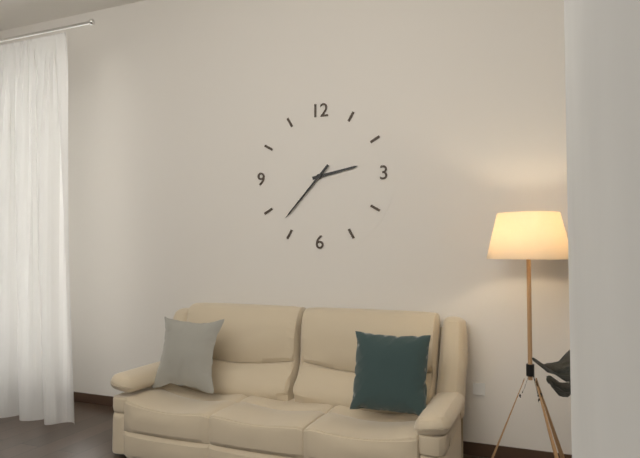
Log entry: 2h37
